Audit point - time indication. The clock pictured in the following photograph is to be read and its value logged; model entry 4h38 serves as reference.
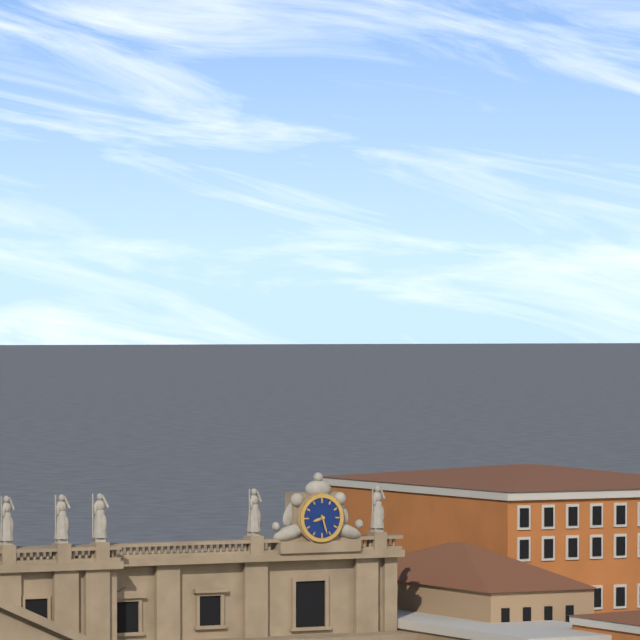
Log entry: 8h27
